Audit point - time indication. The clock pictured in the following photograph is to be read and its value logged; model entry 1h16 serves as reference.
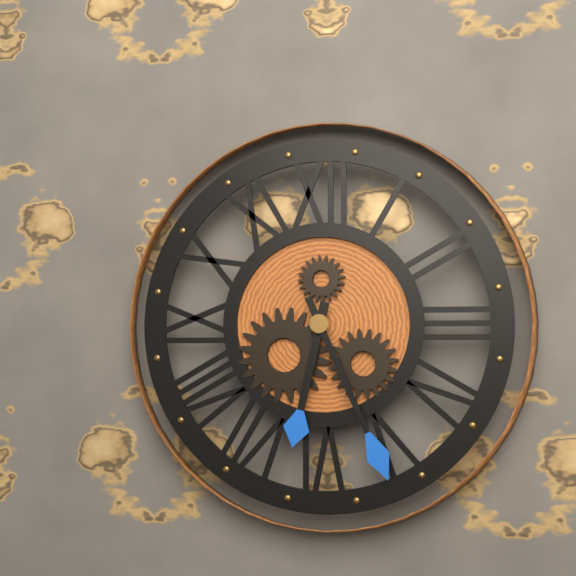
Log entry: 6h26
